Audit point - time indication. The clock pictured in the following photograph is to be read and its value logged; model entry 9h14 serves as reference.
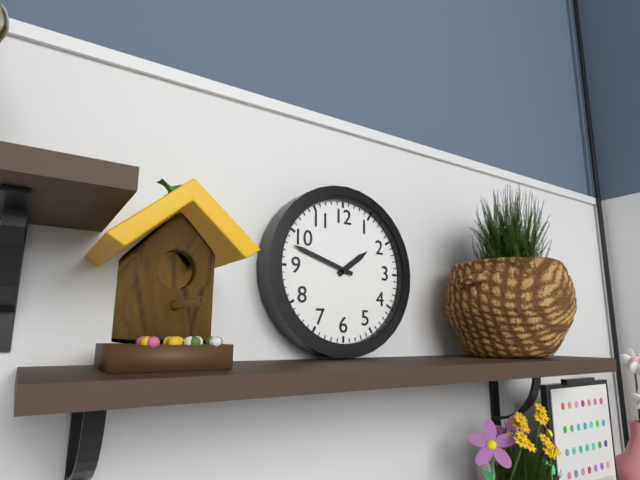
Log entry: 1h48
